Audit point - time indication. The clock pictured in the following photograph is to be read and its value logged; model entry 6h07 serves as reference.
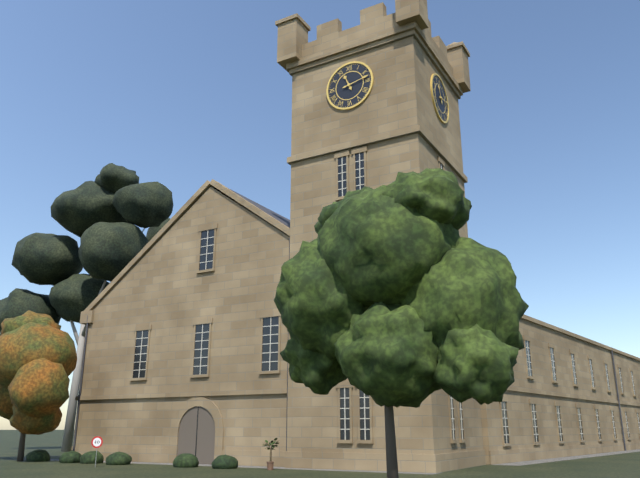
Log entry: 11h13
